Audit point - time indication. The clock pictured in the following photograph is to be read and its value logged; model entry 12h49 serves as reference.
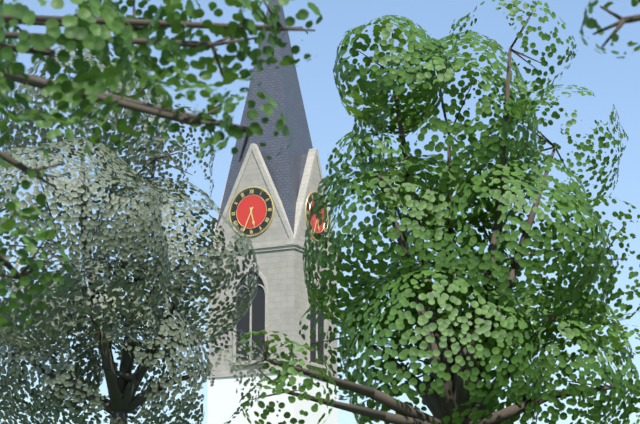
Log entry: 5h34
